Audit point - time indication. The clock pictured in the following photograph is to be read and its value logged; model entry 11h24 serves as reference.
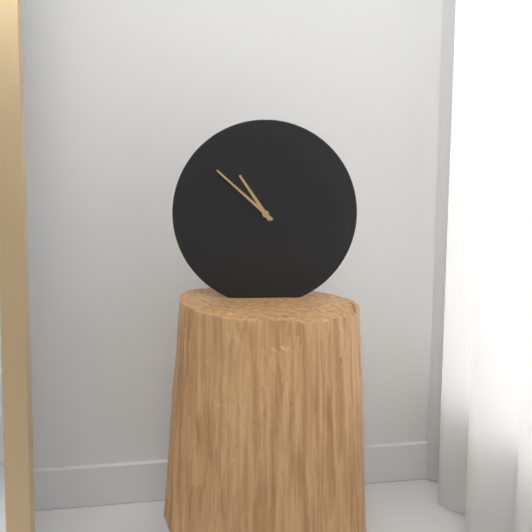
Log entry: 10h52
